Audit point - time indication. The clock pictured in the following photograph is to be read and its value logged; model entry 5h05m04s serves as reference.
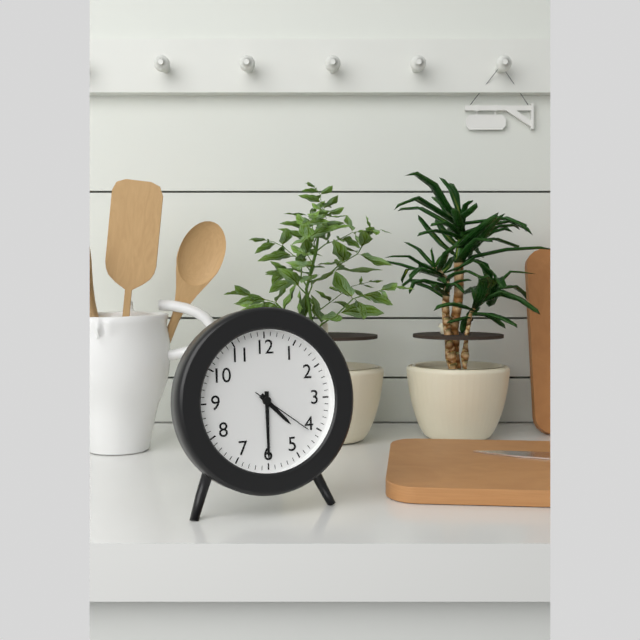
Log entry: 4h30m21s
